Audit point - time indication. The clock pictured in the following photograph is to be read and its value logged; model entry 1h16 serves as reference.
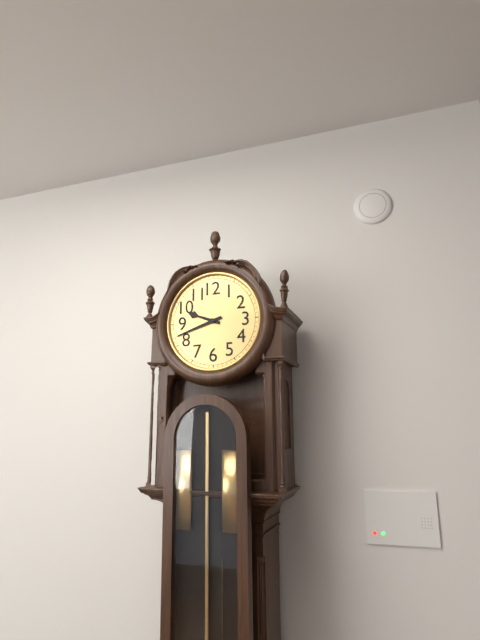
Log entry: 9h42
